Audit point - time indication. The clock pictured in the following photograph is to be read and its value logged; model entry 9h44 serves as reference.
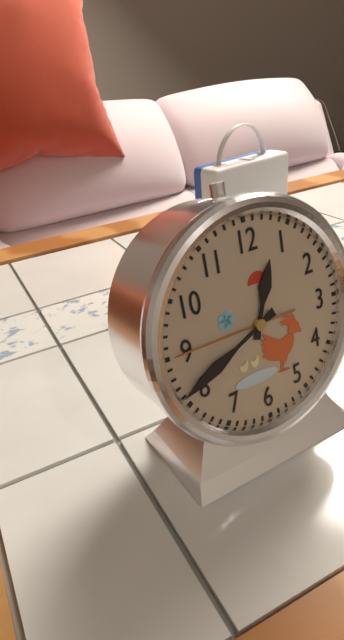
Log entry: 12h41
